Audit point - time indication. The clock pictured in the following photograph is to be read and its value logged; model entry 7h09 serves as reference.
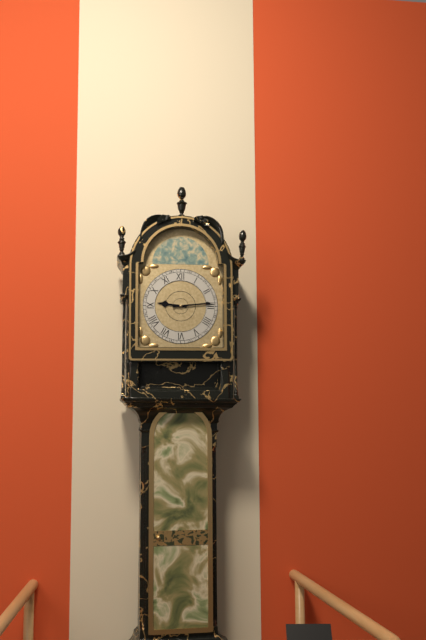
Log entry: 9h14
